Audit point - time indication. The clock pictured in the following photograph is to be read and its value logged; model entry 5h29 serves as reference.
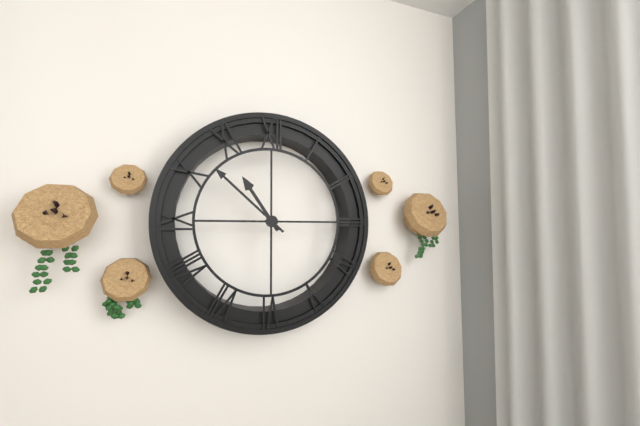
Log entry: 10h52
